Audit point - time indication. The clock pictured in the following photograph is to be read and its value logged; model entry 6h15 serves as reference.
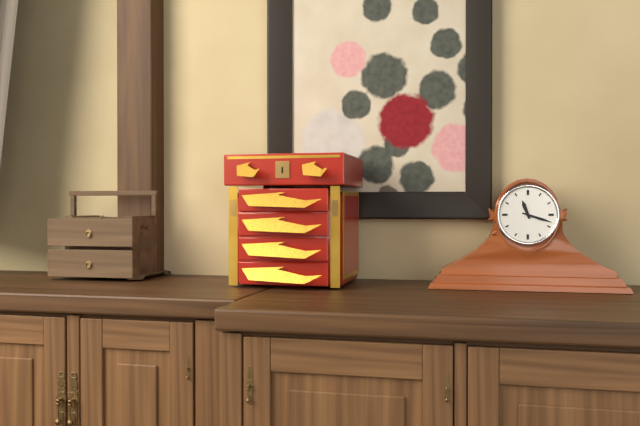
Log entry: 11h18
